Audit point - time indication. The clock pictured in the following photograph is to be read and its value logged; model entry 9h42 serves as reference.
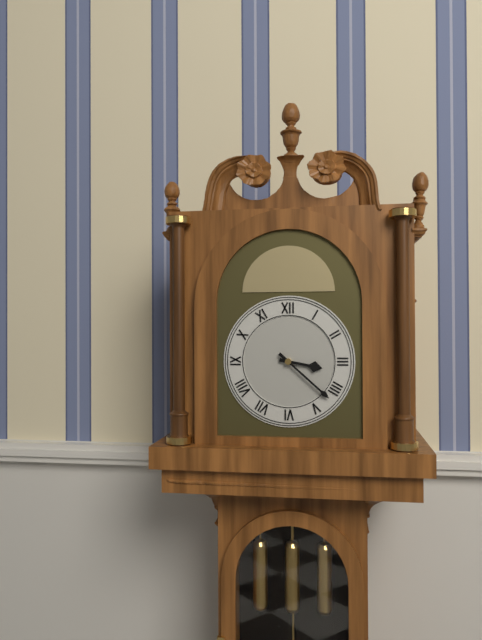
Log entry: 3h22
